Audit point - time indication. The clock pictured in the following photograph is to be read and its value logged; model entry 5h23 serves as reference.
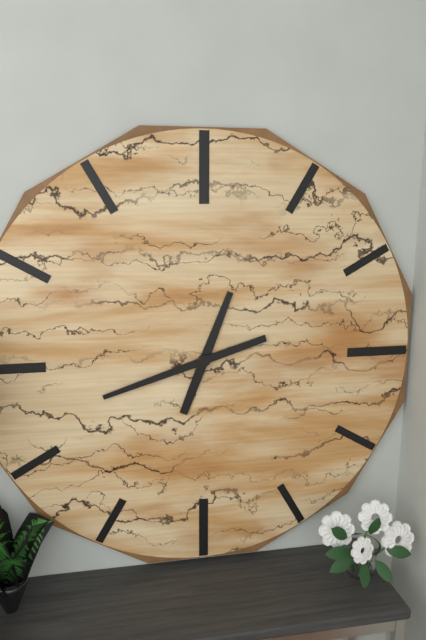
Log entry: 12h42
